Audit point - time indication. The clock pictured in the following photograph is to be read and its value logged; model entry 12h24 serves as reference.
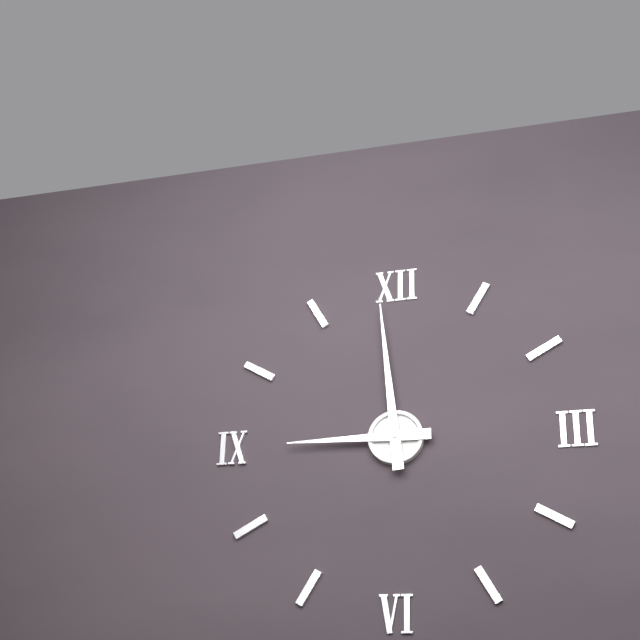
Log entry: 8h59
